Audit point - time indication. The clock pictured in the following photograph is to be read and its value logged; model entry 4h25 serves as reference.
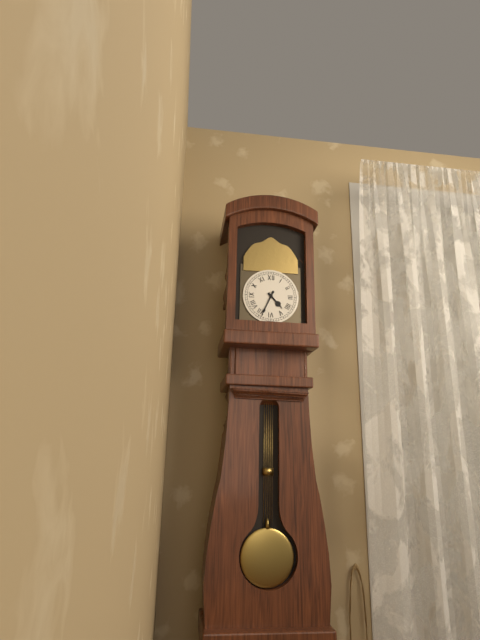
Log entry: 4h34
